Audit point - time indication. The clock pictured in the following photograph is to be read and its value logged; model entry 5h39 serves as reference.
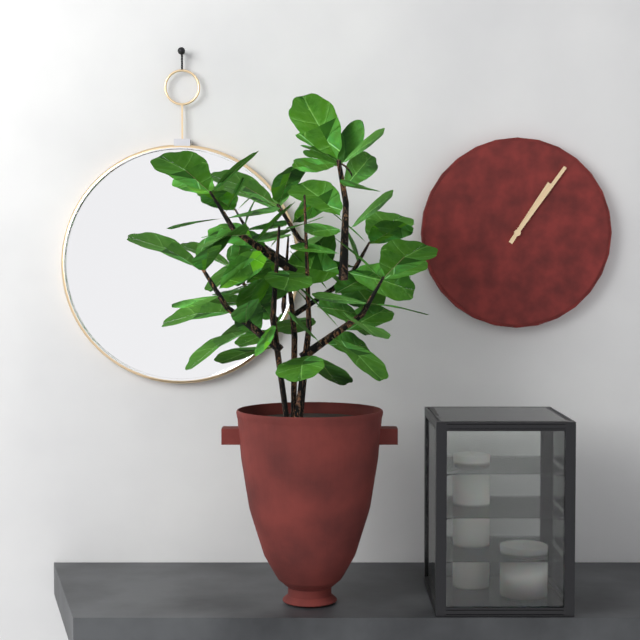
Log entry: 1h06
